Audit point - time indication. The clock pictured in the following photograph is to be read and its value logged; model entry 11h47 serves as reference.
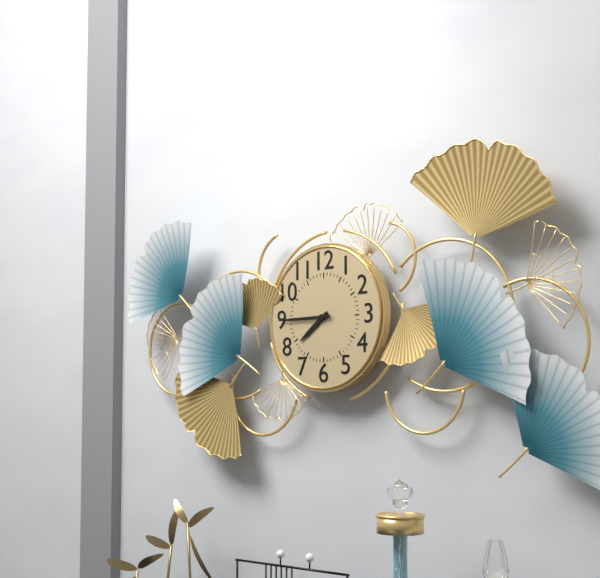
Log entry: 7h45
